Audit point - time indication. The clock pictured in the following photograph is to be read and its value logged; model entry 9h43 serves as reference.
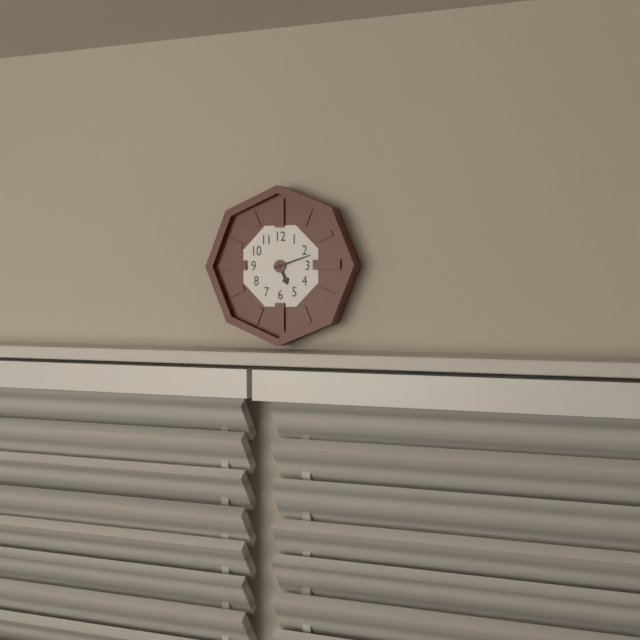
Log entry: 5h12
